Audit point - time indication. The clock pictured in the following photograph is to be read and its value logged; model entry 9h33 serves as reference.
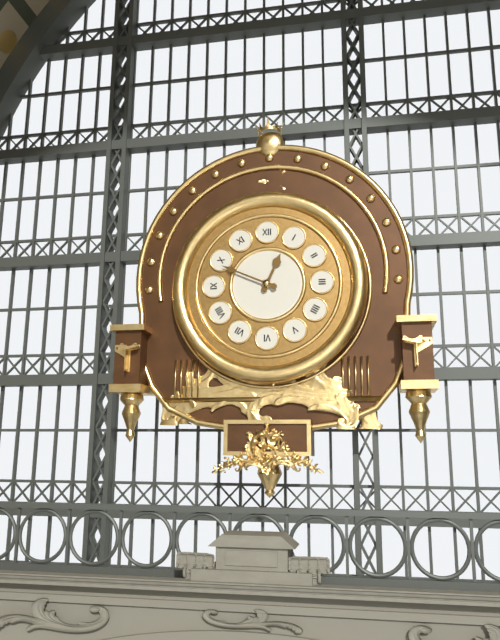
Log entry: 12h49
